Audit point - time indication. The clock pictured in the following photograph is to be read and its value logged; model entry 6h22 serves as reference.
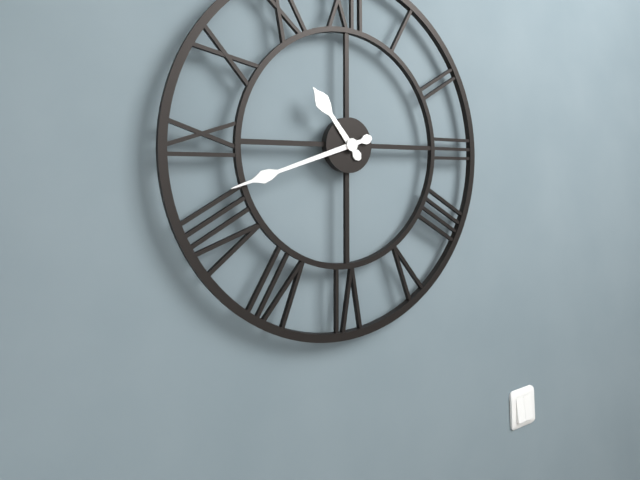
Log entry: 10h42
